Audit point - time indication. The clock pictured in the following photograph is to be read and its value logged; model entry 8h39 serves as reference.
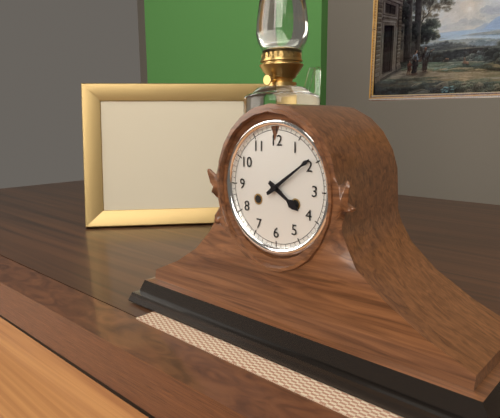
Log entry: 4h09
